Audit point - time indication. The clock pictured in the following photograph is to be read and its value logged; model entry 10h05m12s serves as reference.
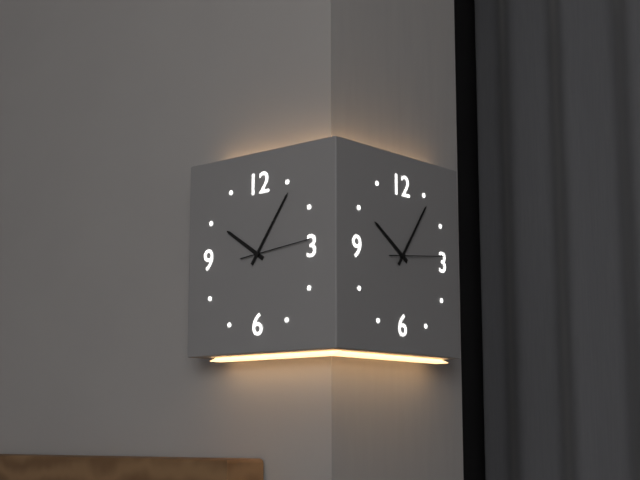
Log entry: 10h06m14s
